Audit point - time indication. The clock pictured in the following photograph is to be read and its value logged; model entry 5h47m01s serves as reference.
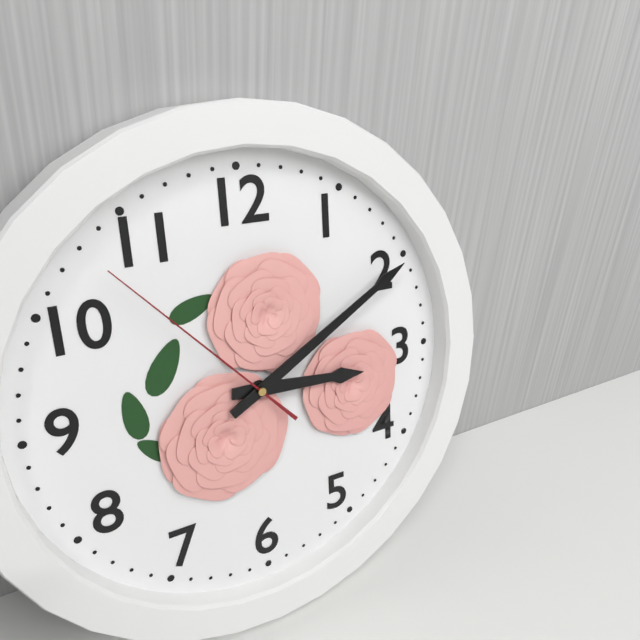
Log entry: 3h10m53s
